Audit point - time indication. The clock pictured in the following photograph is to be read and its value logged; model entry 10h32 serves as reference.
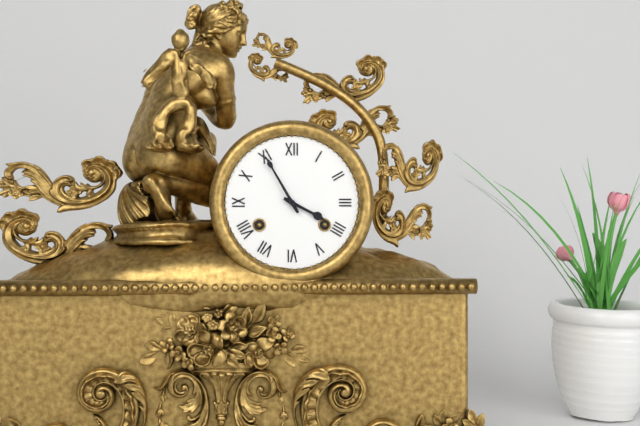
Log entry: 3h55
